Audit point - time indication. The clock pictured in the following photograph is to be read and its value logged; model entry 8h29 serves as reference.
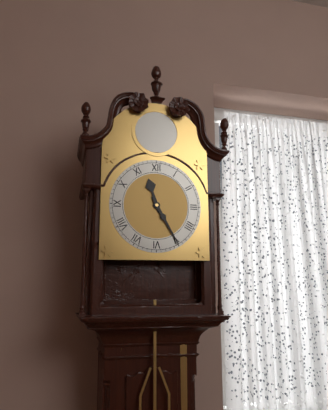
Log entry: 11h25
